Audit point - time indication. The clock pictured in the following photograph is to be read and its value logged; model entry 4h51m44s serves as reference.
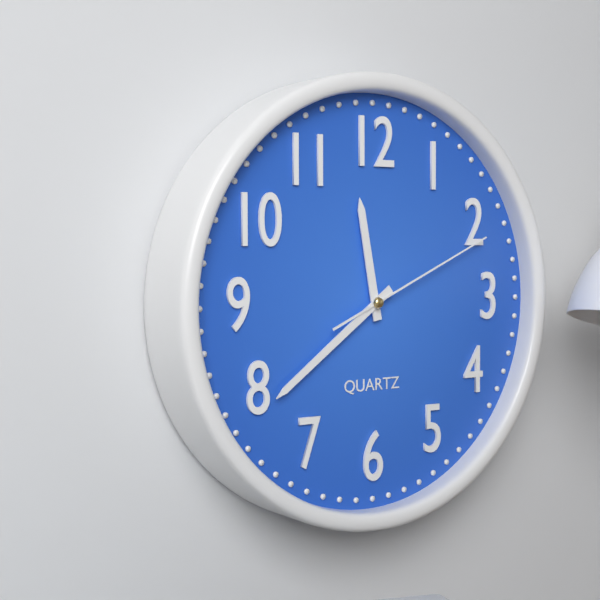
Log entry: 11h39m11s
